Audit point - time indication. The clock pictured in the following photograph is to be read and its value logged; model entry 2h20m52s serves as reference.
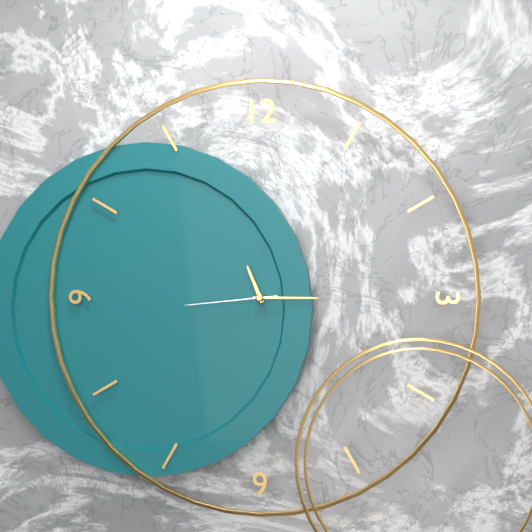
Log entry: 11h15m44s
